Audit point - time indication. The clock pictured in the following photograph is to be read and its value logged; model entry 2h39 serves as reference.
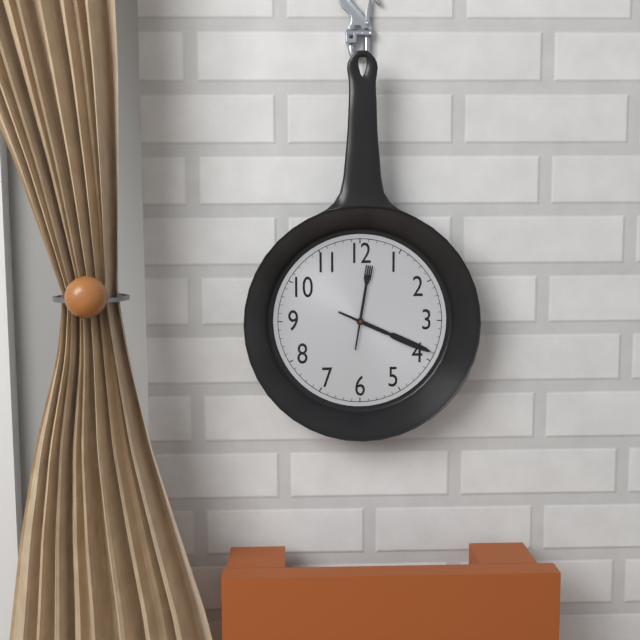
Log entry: 12h19
